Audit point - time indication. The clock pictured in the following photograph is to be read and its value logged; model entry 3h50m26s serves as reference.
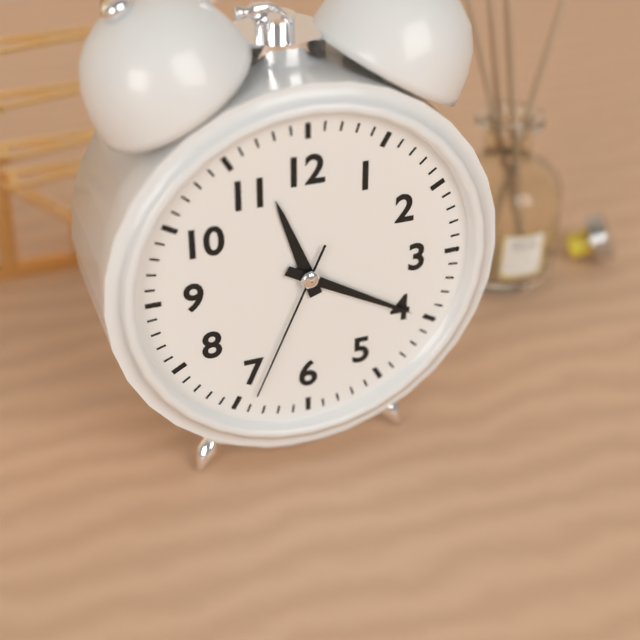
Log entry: 11h20m34s
